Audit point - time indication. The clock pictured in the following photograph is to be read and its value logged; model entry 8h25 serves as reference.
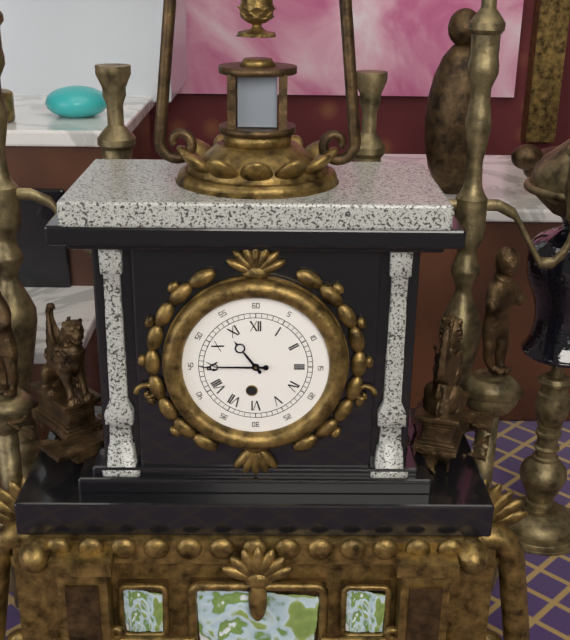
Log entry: 10h45
